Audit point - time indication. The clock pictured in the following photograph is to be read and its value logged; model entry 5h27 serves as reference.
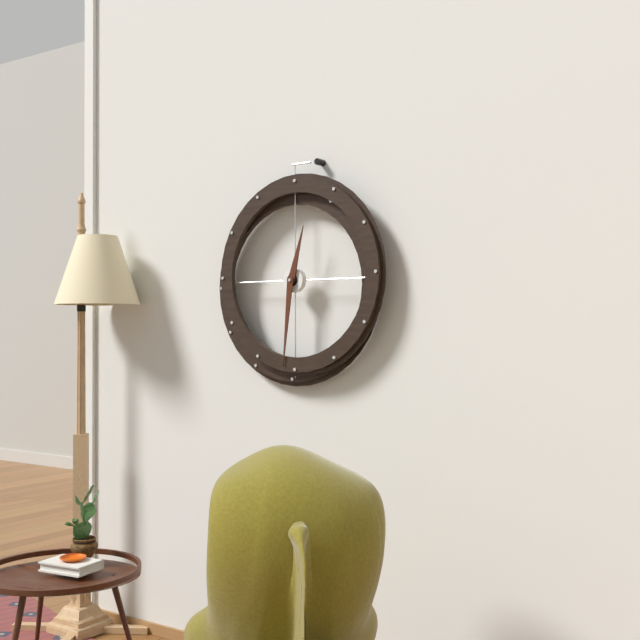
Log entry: 12h31
